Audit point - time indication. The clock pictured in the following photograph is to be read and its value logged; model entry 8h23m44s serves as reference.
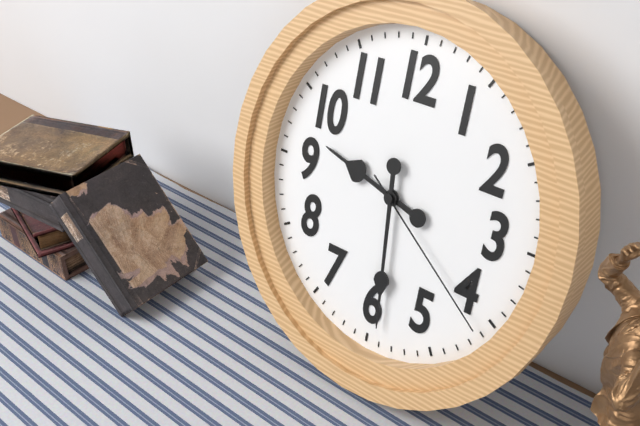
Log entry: 9h29m21s
